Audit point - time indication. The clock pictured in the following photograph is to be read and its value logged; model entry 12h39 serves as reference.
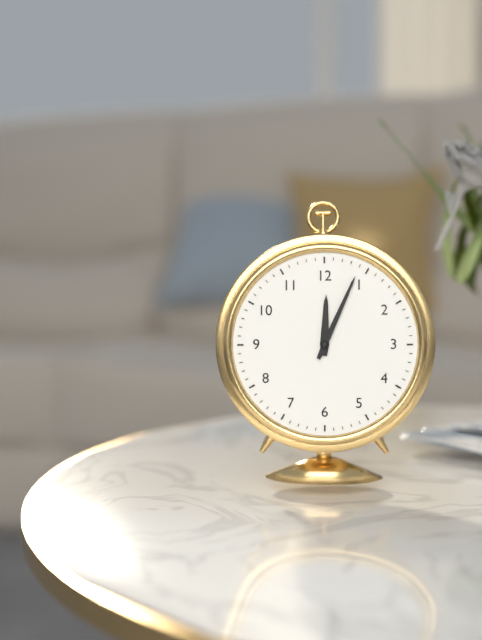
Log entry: 12h04
